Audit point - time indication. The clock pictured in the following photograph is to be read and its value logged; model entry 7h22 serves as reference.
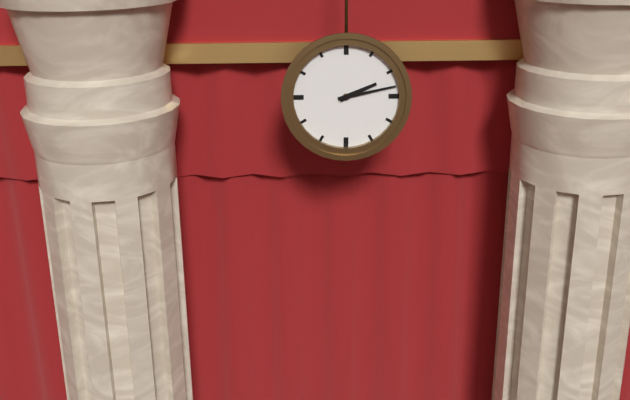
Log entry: 2h13
